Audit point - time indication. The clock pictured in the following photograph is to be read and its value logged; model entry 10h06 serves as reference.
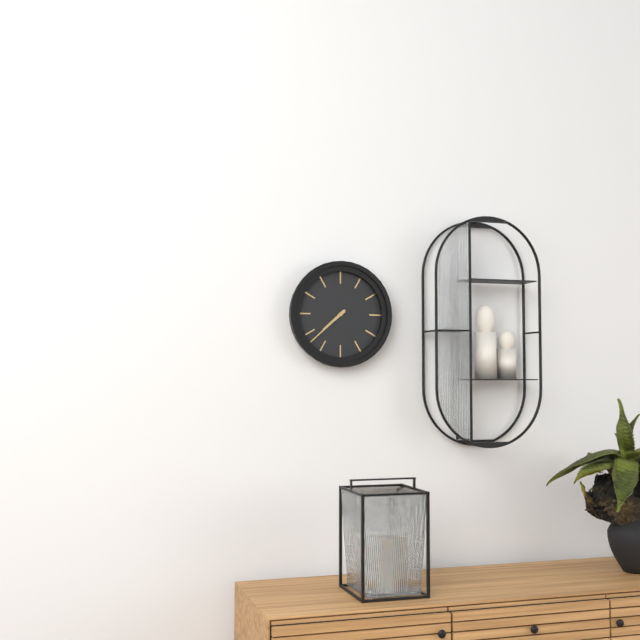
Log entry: 7h38
